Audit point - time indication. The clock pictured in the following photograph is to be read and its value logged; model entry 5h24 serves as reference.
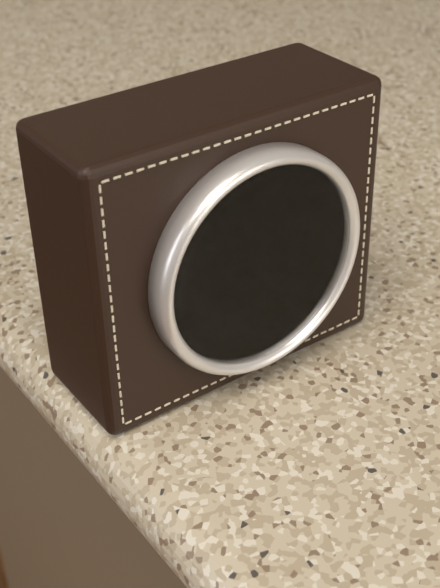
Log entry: 11h26
